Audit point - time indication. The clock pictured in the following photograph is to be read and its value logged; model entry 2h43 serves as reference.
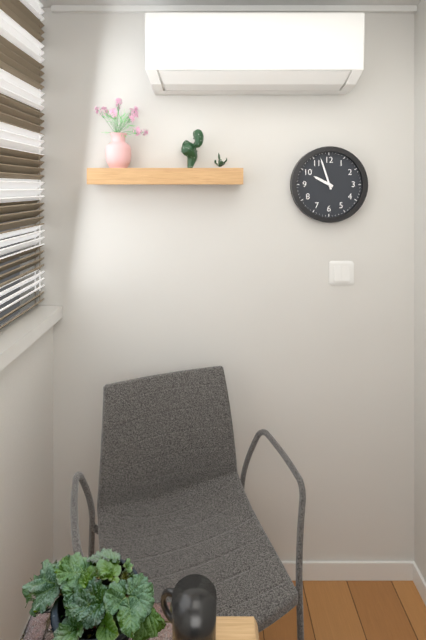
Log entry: 9h57
